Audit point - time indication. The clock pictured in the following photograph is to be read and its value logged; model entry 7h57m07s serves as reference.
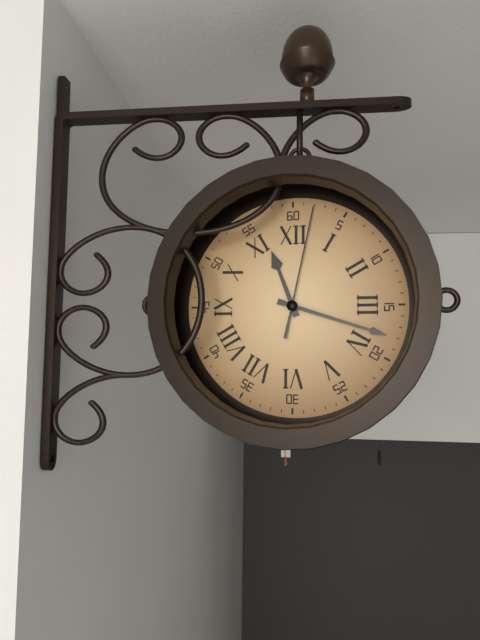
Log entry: 11h18m02s
